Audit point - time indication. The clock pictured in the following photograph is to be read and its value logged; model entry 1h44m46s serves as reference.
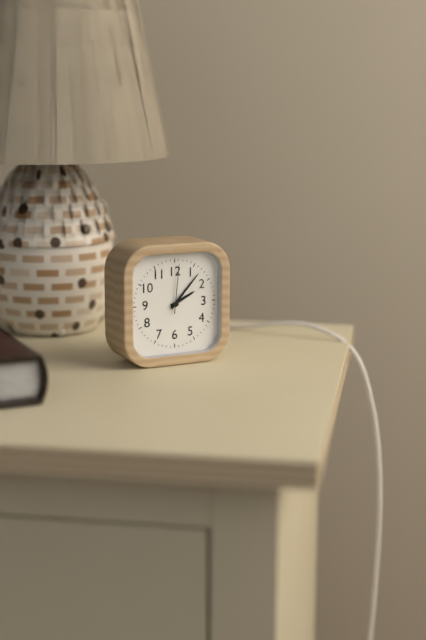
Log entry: 2h07m01s
